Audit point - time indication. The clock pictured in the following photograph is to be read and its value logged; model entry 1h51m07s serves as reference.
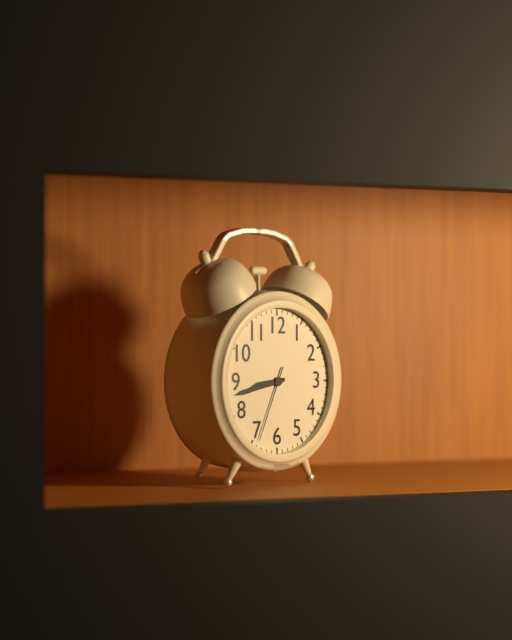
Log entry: 8h43m34s
